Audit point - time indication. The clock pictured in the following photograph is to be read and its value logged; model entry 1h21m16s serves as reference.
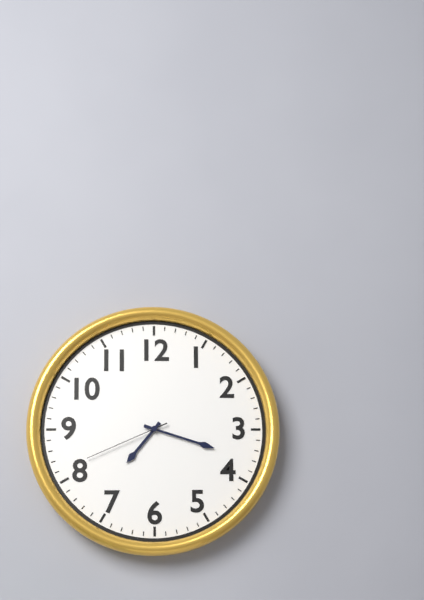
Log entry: 7h18m41s
